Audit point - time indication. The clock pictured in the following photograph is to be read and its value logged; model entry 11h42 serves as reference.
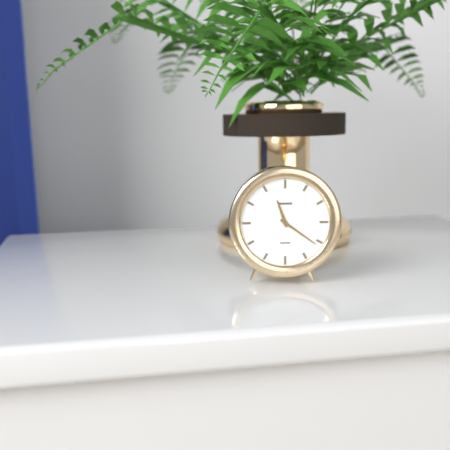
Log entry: 11h21
